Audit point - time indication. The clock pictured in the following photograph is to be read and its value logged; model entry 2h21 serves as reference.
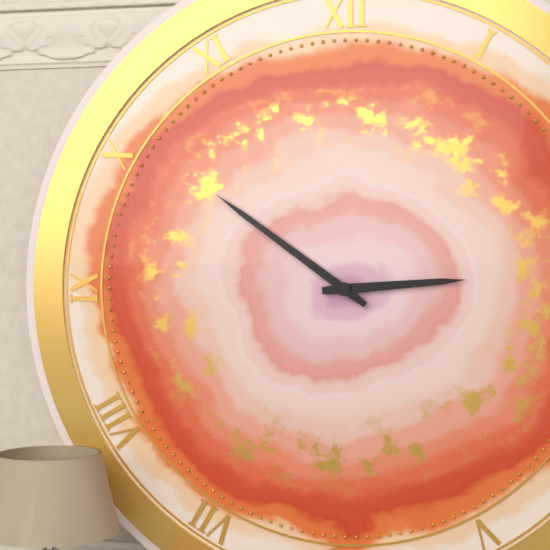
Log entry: 2h51
